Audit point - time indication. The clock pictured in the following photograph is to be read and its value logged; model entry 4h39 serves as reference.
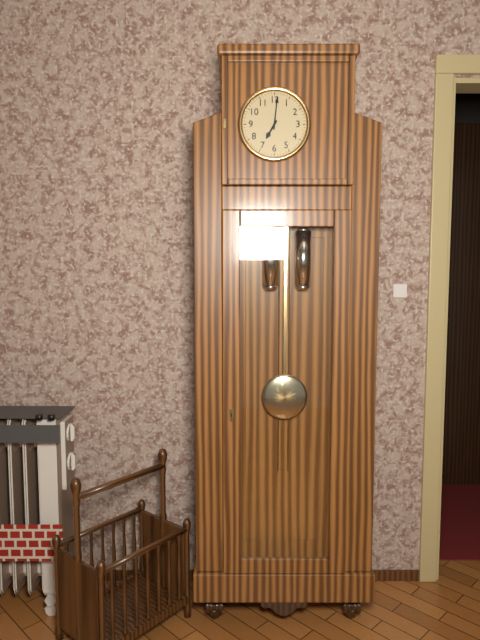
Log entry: 7h01
